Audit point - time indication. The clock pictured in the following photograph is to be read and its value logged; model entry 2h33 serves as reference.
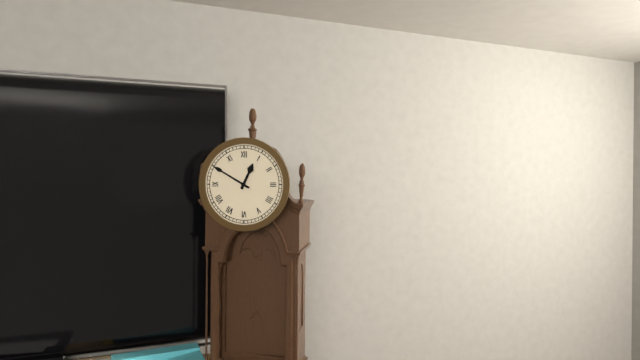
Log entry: 12h50
